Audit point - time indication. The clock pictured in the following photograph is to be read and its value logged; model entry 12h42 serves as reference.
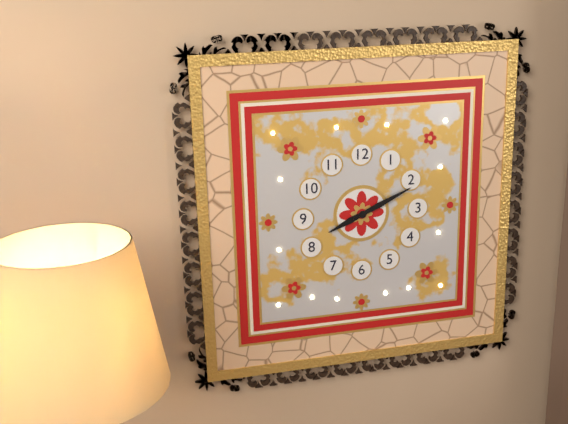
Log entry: 8h11
